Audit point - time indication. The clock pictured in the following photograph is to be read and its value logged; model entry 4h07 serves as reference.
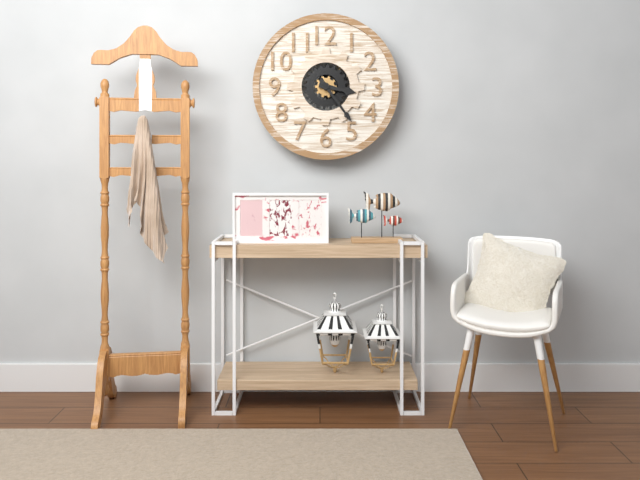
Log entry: 3h24
